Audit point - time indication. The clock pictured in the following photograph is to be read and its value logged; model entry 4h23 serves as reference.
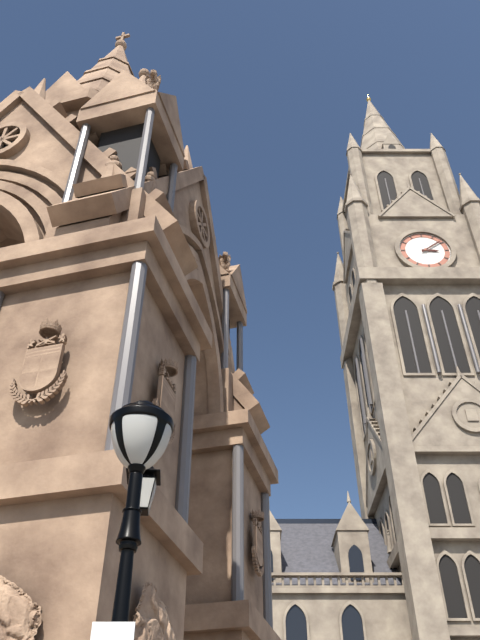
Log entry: 3h09
